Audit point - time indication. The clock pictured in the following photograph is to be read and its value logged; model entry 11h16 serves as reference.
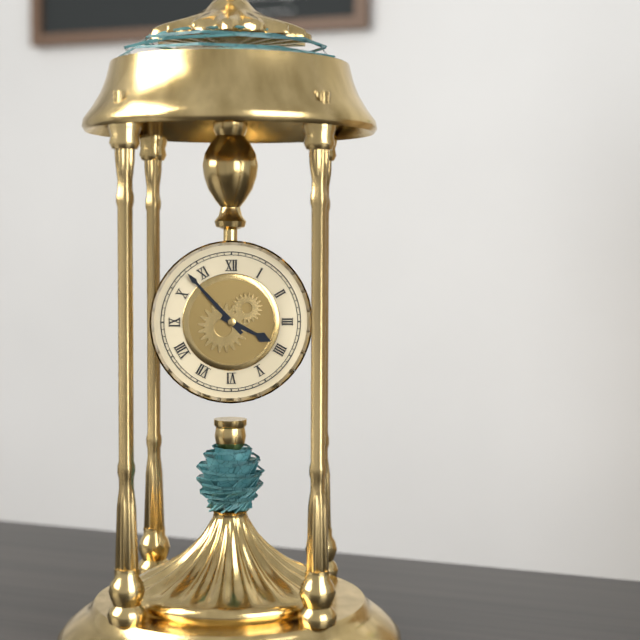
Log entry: 3h53
